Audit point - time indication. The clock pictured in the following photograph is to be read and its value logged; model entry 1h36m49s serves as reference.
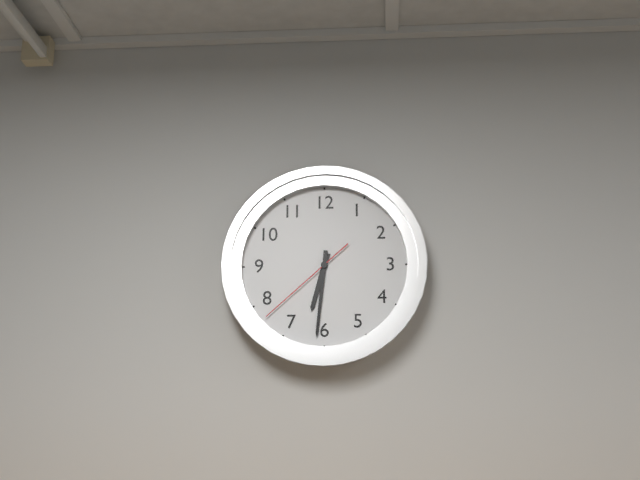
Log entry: 6h31m38s
